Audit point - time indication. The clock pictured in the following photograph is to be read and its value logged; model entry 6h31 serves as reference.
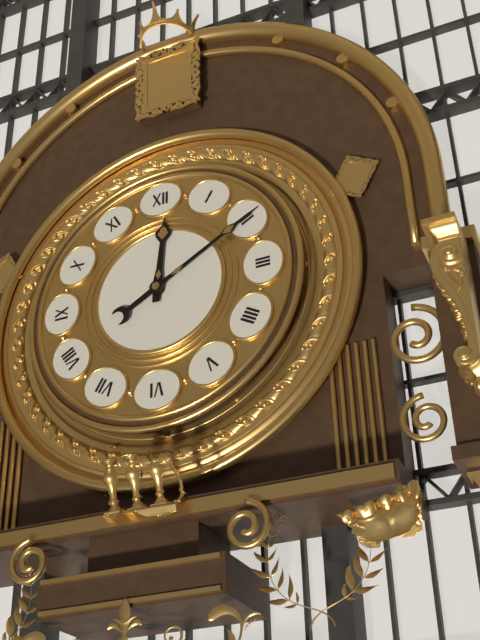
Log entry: 12h10
